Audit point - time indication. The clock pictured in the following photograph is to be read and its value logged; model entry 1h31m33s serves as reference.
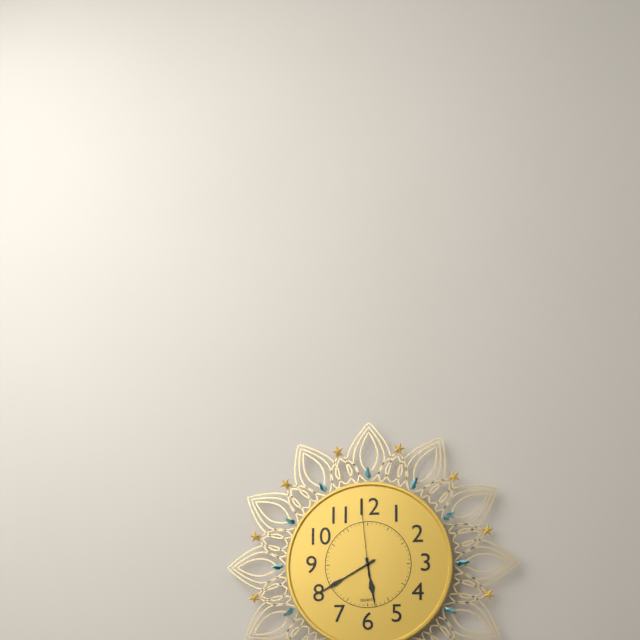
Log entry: 5h40m59s
